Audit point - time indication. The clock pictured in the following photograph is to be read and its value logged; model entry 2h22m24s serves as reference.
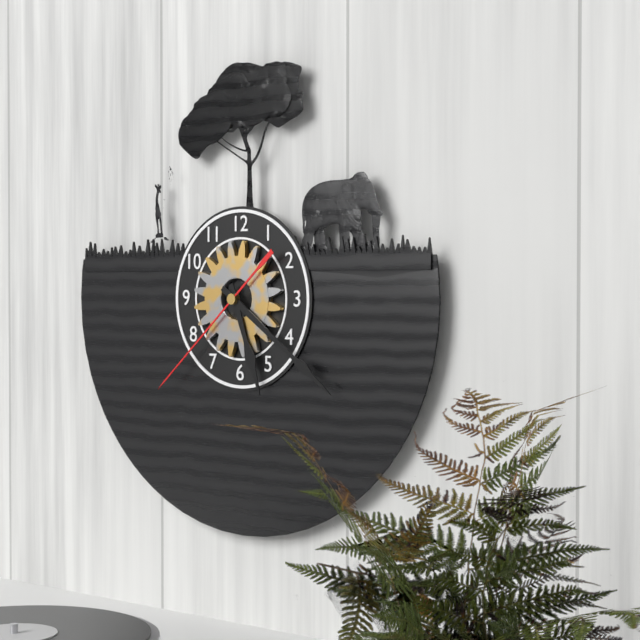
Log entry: 5h21m38s
